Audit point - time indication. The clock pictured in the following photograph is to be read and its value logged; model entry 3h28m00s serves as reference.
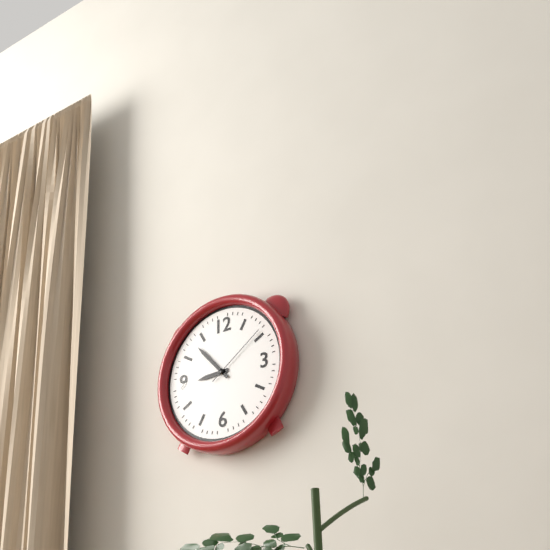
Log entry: 8h53m09s
